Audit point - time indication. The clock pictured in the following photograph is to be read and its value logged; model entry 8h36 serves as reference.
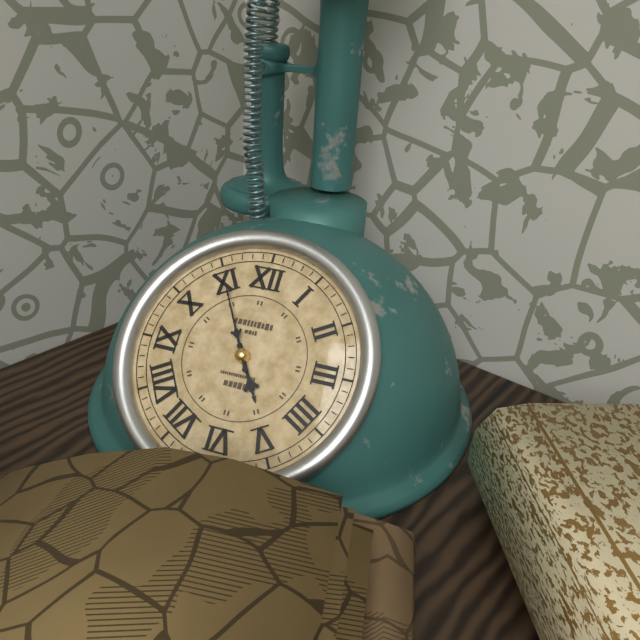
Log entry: 4h55
